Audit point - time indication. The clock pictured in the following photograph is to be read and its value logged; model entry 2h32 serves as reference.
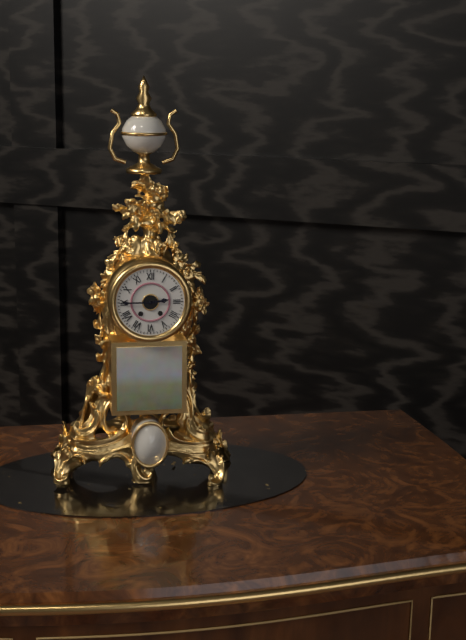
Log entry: 2h45
